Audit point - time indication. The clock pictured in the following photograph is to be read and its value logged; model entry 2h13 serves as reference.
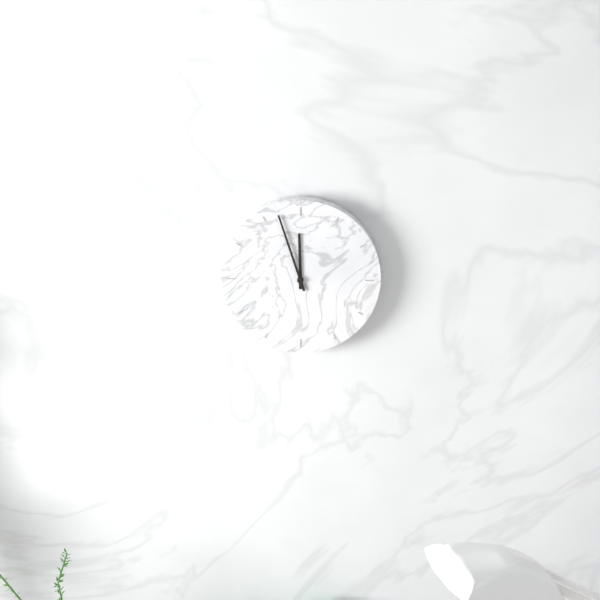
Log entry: 11h57
